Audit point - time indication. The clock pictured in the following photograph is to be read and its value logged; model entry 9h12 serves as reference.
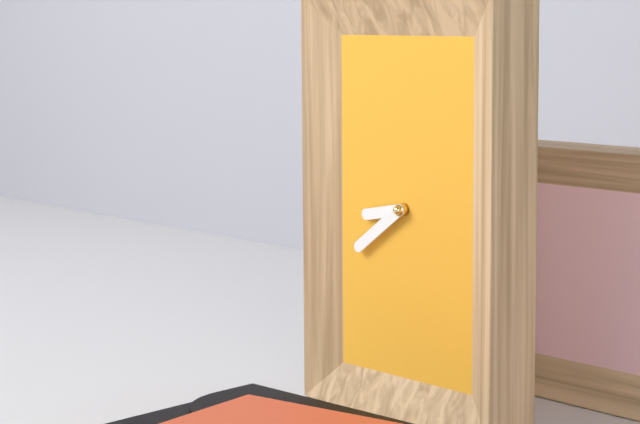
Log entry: 8h39
